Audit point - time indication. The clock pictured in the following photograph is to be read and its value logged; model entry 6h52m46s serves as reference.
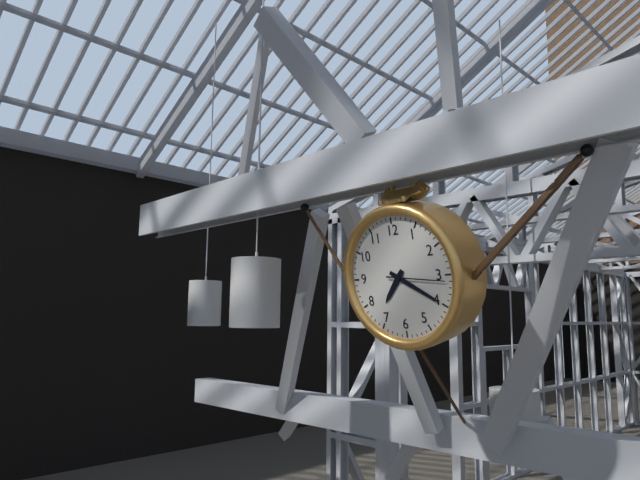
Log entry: 7h20m16s
